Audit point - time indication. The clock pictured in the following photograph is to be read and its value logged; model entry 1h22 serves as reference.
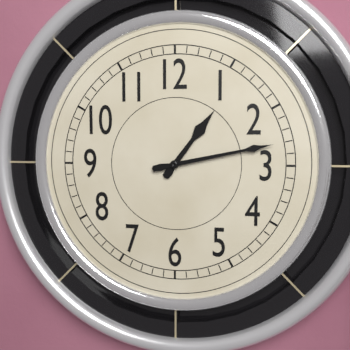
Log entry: 1h13
